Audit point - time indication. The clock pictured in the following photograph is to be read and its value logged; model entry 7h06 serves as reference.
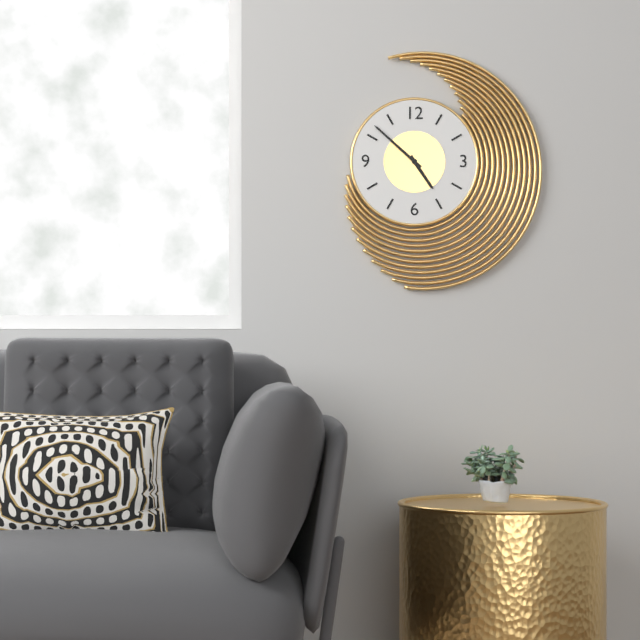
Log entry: 4h52
